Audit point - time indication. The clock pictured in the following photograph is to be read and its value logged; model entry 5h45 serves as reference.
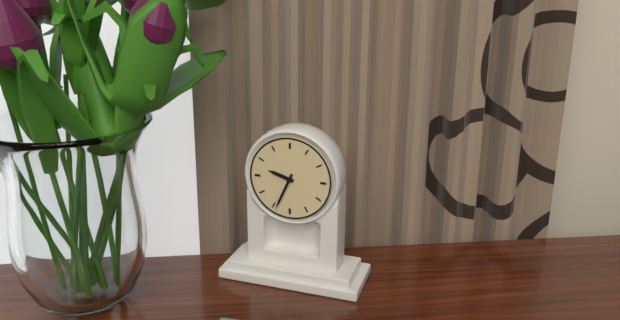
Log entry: 9h34
